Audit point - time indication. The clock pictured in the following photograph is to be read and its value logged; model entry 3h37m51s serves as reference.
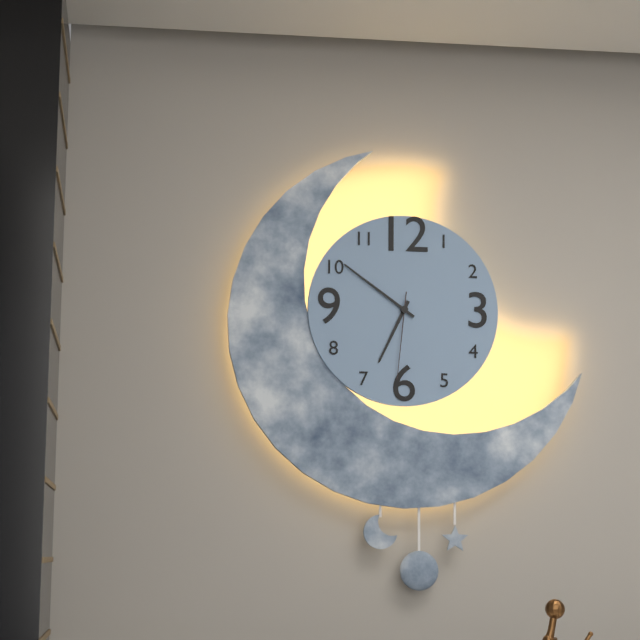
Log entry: 6h51m31s
